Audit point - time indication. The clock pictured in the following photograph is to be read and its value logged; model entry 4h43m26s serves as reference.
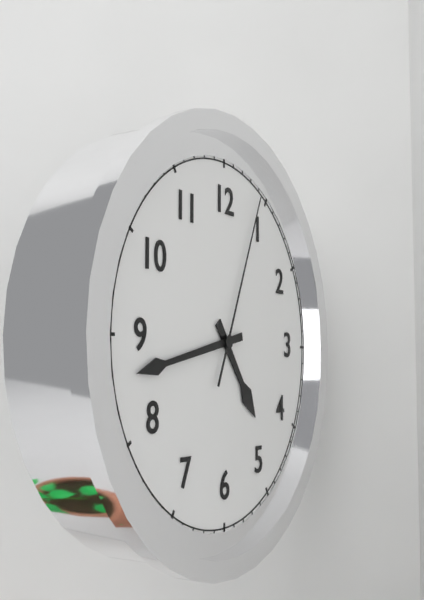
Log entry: 4h43m04s
